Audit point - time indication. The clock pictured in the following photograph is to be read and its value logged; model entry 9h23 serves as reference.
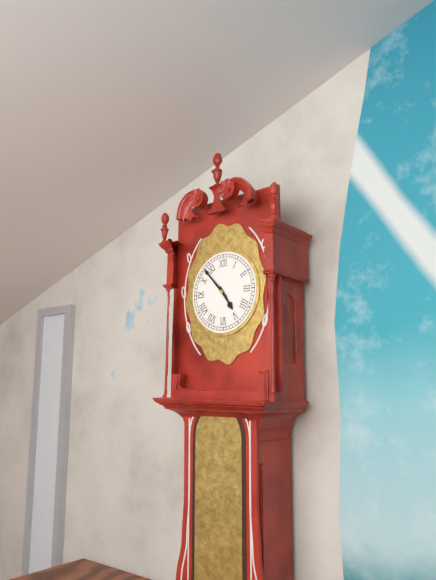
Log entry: 4h53
